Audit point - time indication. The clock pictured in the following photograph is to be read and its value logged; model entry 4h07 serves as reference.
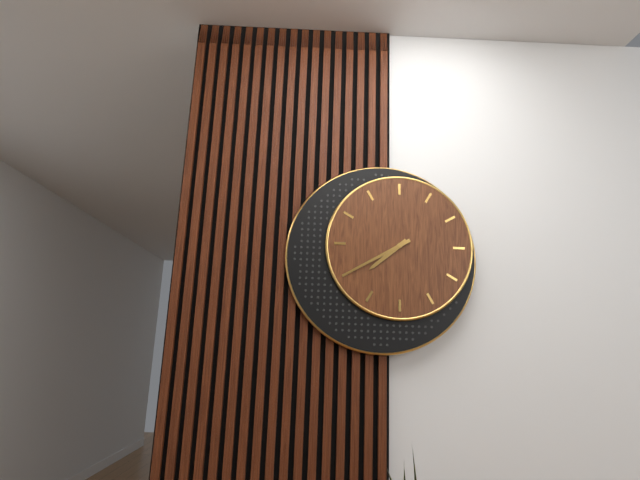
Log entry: 7h40
